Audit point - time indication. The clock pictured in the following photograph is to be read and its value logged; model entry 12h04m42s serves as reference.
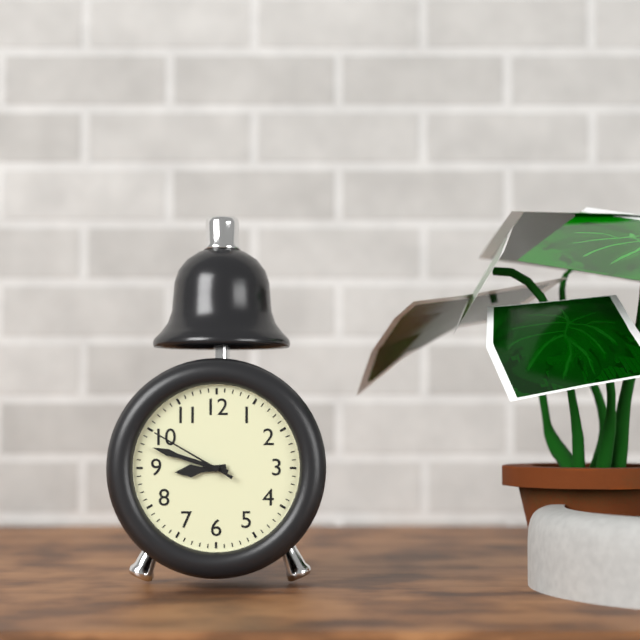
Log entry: 8h48m50s
